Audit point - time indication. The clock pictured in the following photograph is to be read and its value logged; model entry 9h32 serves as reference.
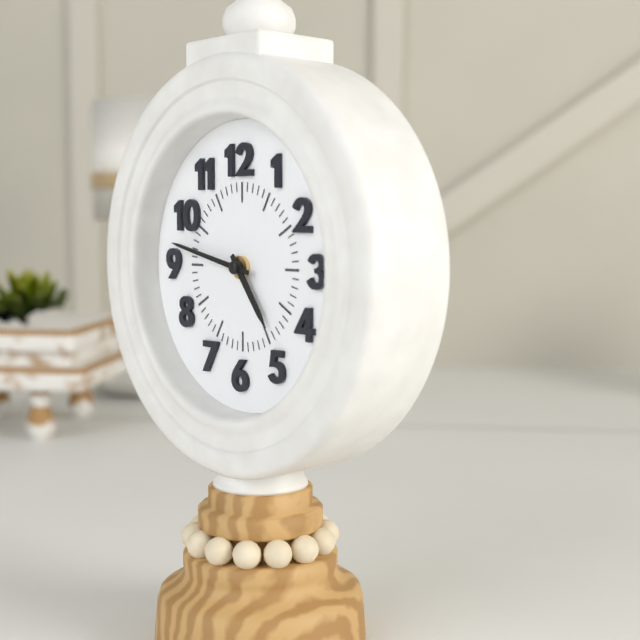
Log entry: 4h47
